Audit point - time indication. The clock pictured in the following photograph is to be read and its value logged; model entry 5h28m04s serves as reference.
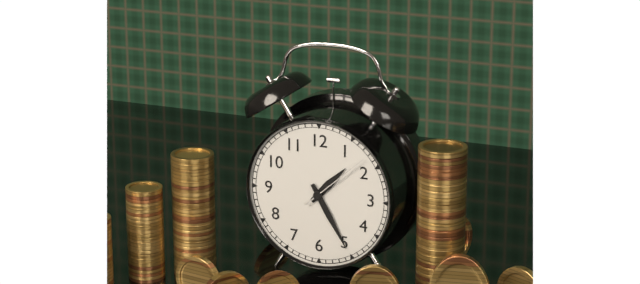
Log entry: 1h25m08s
